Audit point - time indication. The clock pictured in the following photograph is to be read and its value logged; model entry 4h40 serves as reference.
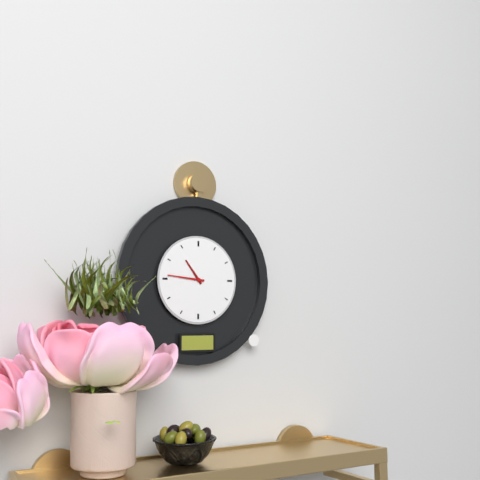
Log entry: 10h46
